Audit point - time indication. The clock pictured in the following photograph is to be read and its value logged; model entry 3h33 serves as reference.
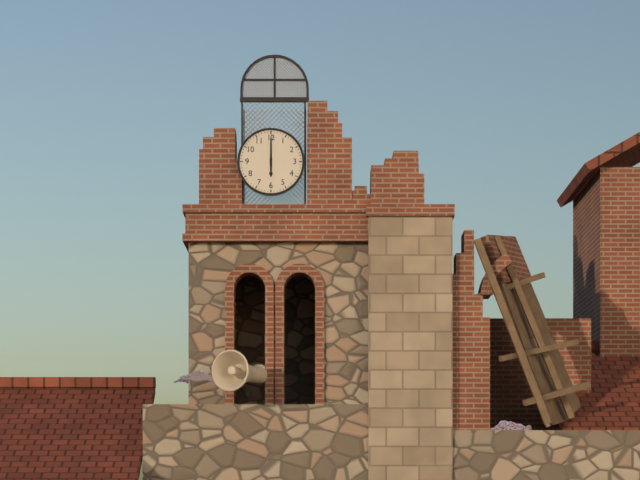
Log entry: 6h00
